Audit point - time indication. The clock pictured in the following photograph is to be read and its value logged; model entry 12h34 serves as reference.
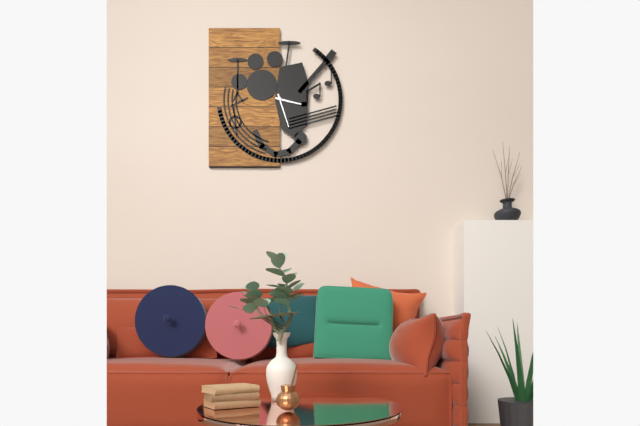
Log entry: 3h27
